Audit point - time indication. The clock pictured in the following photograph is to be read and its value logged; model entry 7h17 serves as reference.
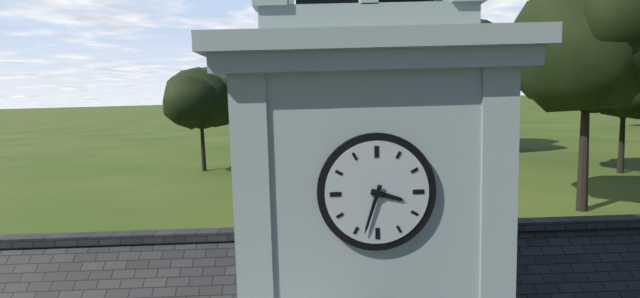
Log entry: 3h33
